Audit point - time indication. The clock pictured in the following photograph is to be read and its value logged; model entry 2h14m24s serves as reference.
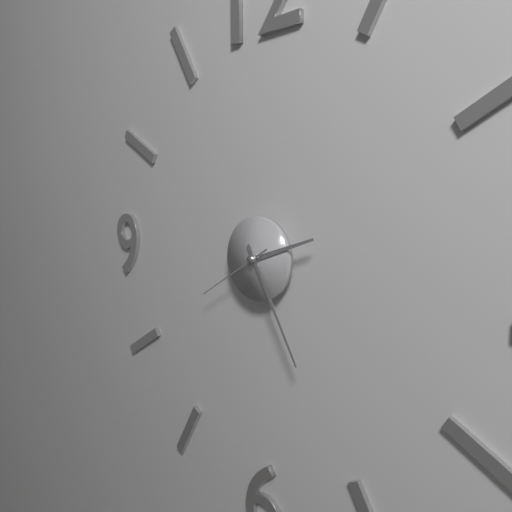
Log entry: 2h25m40s
